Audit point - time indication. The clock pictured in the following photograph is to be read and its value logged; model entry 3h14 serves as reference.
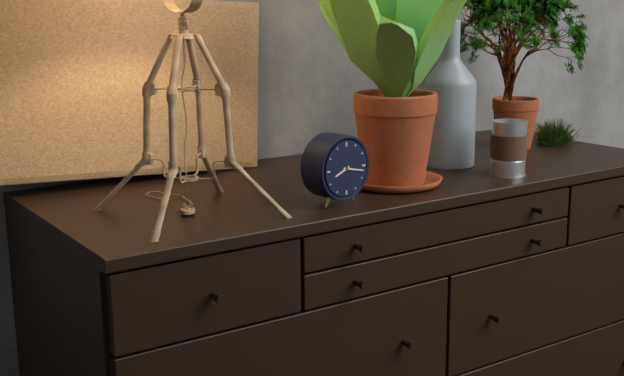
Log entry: 8h17
